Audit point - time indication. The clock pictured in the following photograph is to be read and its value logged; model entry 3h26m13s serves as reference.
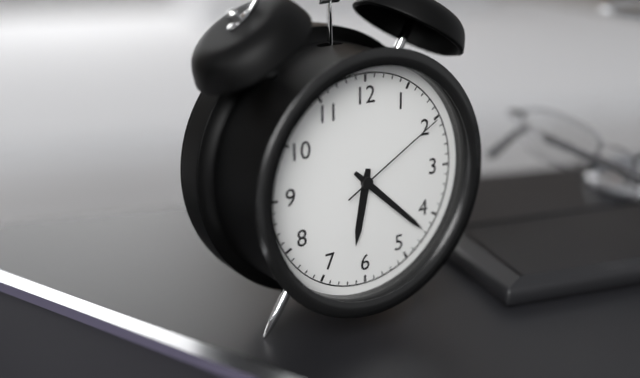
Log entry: 6h22m10s
